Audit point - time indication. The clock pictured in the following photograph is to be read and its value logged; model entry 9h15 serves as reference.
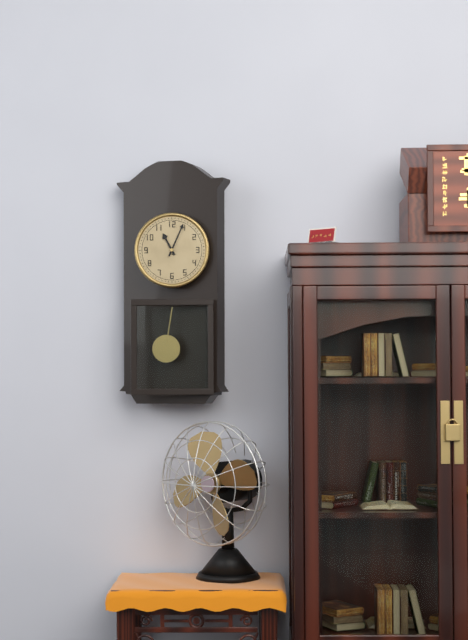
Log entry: 11h04
